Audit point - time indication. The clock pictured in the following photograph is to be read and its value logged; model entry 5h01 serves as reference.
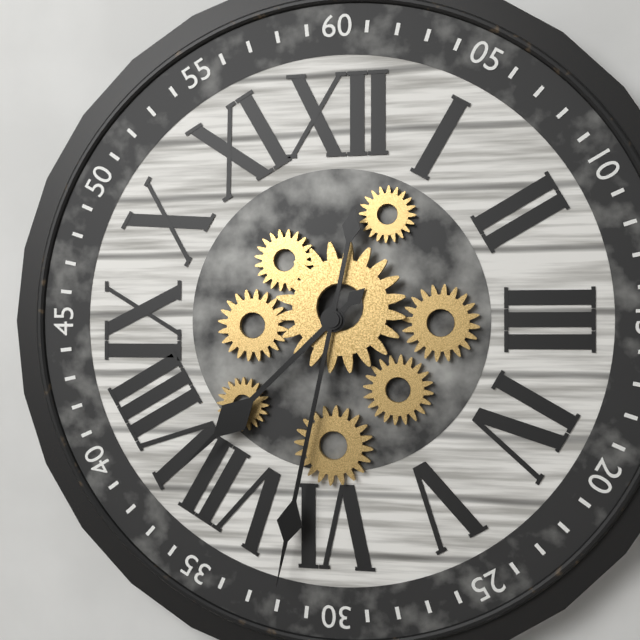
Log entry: 7h32
